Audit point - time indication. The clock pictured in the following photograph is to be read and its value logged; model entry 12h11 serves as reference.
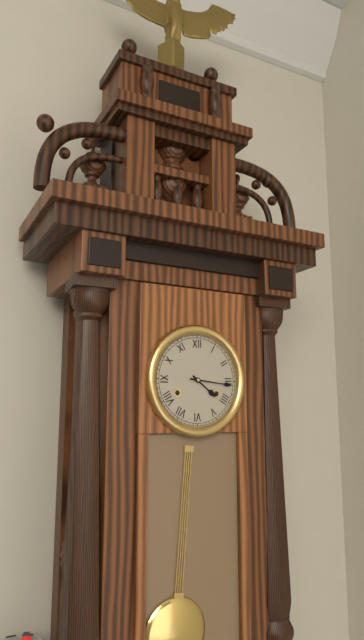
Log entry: 4h16
